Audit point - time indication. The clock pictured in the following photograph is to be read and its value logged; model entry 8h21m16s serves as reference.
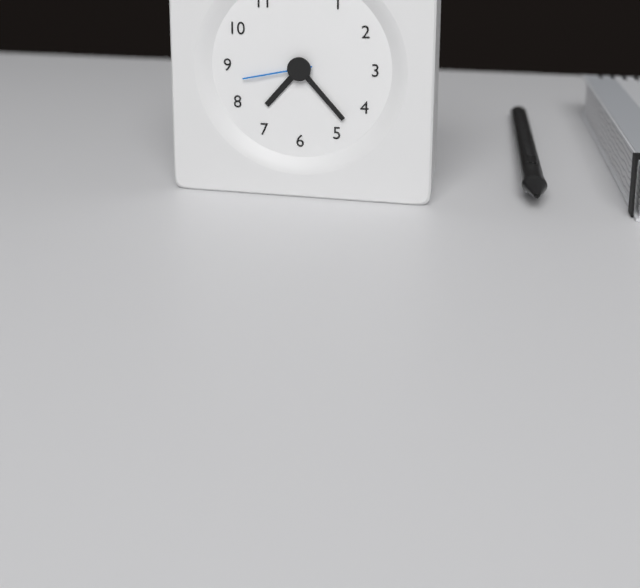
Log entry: 7h23m43s
